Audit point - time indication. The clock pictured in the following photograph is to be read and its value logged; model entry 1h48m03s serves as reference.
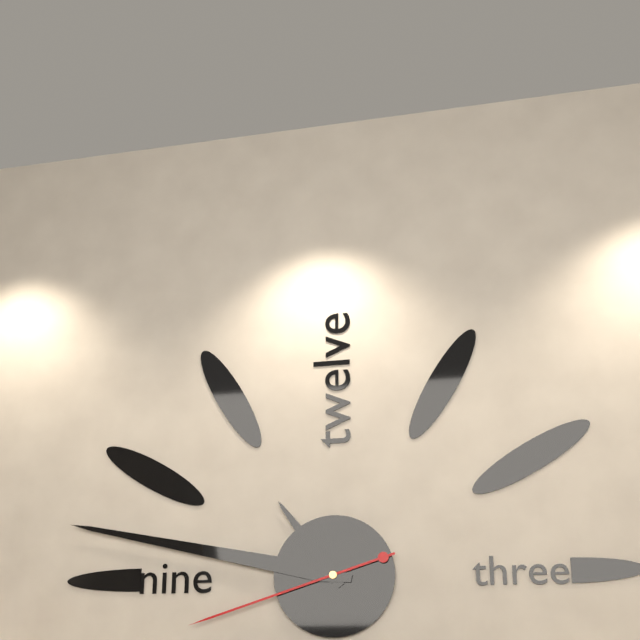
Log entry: 10h47m42s
